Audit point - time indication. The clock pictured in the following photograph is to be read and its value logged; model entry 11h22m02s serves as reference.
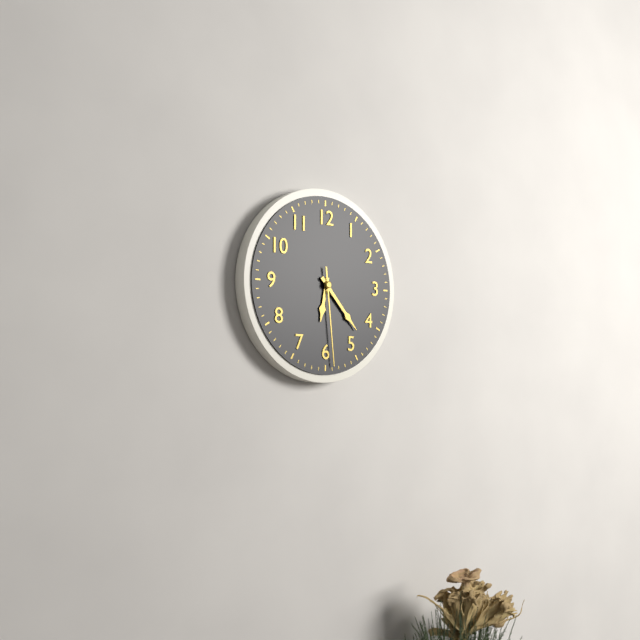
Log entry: 6h23m29s
